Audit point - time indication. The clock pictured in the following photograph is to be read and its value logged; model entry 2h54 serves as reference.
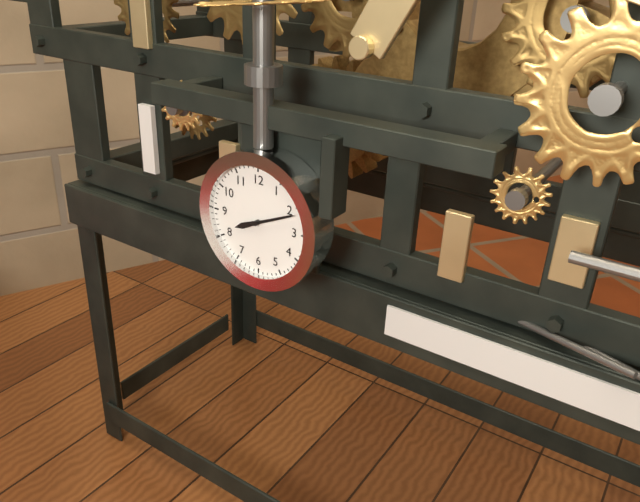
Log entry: 8h11
